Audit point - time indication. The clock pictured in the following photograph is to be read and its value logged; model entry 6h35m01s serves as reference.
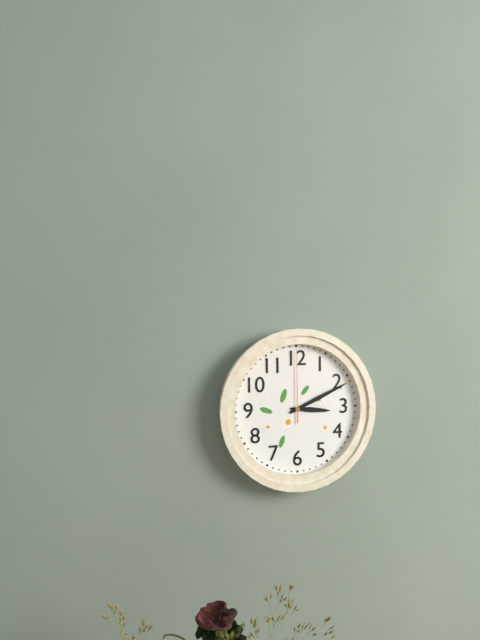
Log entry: 3h11m00s
